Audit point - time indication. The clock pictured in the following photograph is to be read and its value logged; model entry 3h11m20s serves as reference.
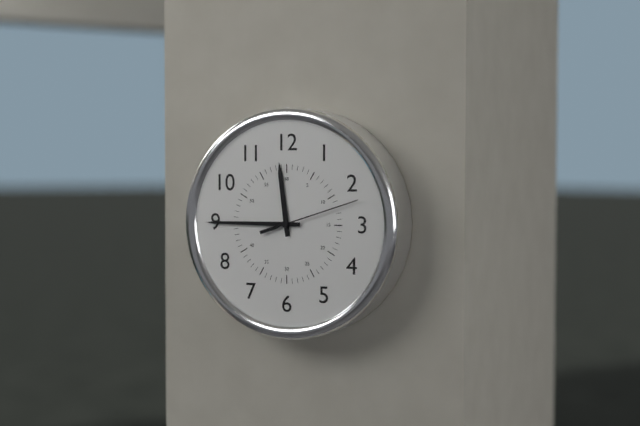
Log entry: 11h45m12s
